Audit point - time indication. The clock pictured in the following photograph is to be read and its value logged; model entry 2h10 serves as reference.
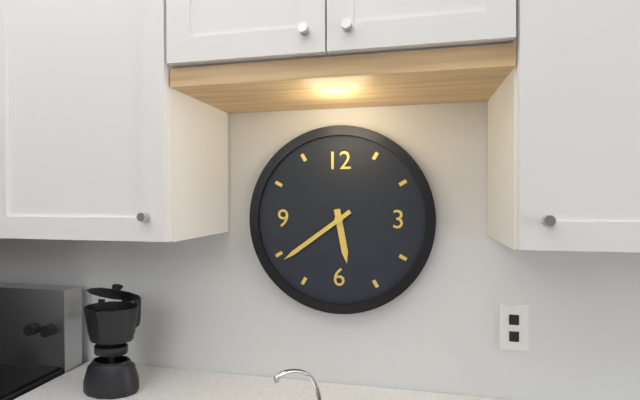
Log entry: 5h39
